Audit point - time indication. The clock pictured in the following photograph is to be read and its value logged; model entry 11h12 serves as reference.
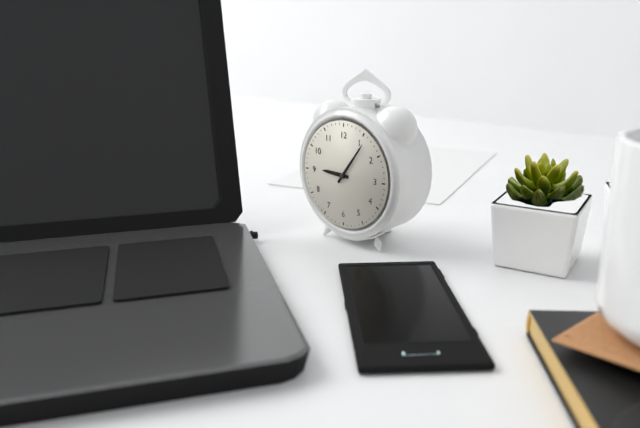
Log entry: 9h06
